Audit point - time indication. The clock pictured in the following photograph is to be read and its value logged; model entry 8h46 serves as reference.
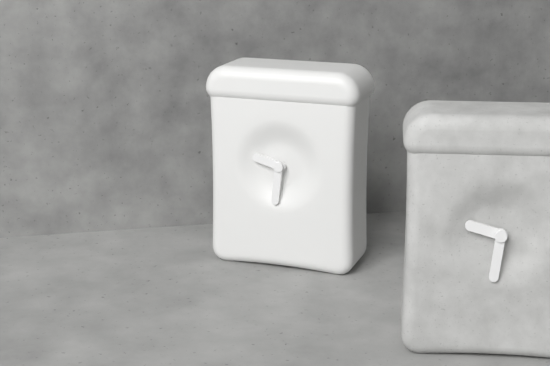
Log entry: 9h31
